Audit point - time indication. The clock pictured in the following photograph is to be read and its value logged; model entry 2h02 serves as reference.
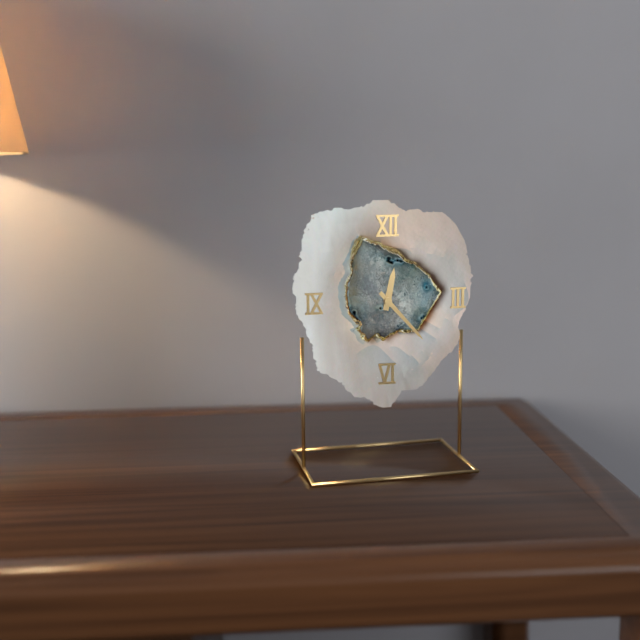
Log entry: 12h23
